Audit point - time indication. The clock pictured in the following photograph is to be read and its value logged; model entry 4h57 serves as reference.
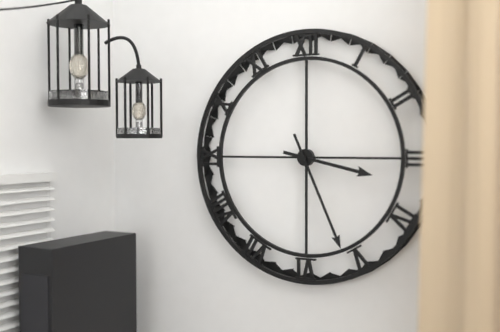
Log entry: 3h26
